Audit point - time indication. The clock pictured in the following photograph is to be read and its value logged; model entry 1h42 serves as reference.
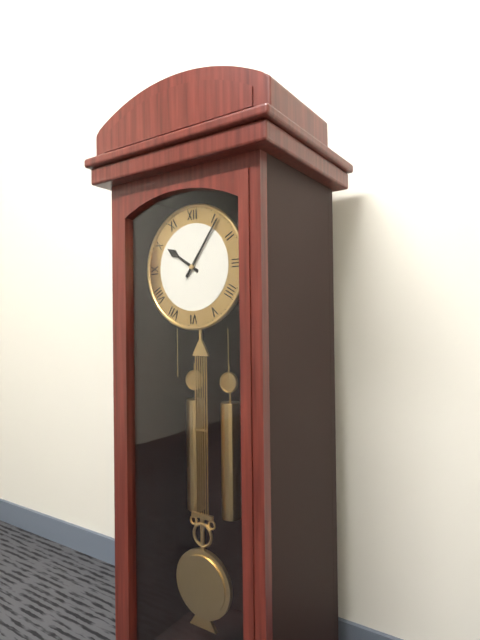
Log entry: 10h06
